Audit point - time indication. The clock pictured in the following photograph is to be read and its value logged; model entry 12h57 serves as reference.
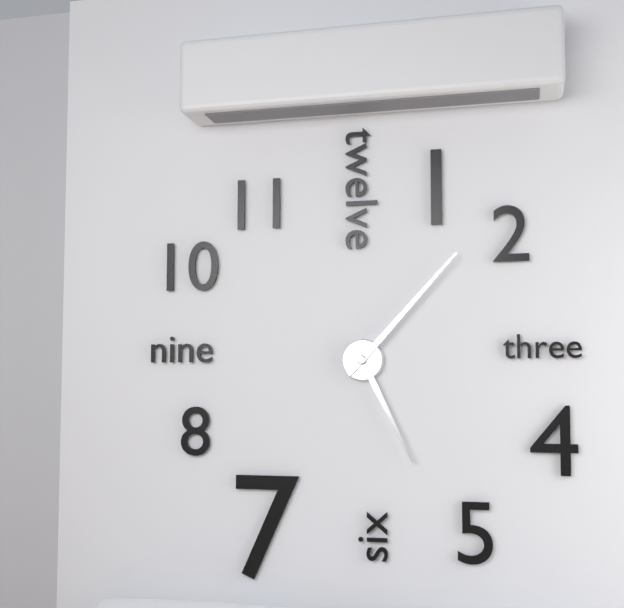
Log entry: 5h07
